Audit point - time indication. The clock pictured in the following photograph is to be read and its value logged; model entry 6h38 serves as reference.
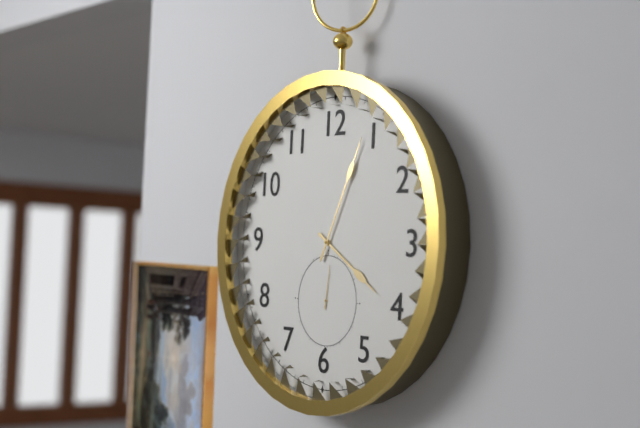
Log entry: 4h04
